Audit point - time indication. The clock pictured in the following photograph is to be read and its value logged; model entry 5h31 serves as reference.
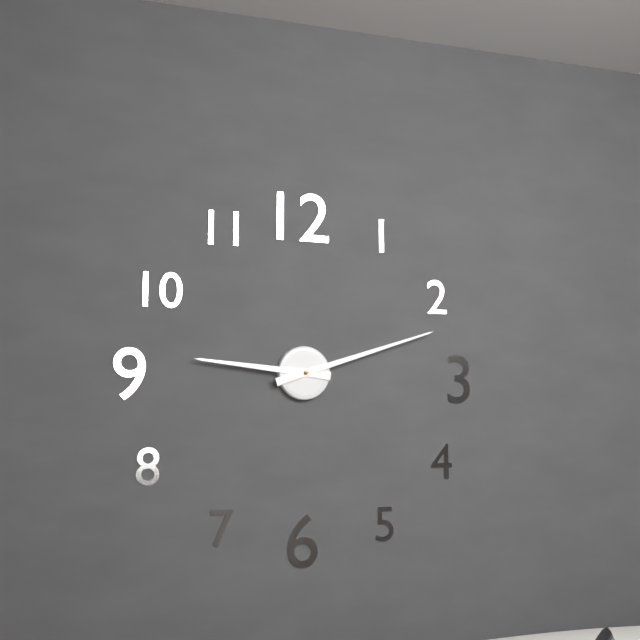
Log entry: 9h12
